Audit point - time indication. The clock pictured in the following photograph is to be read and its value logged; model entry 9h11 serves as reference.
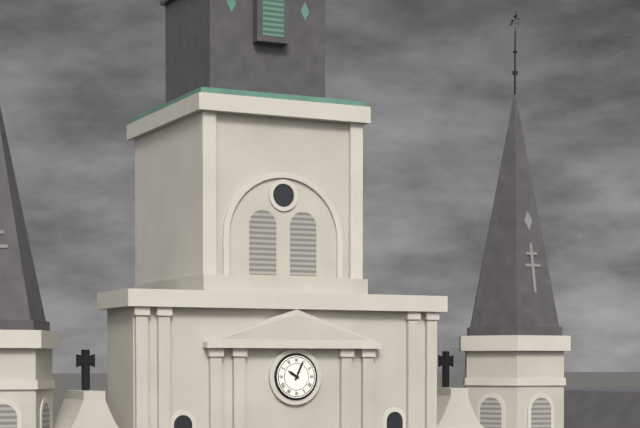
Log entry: 10h04
